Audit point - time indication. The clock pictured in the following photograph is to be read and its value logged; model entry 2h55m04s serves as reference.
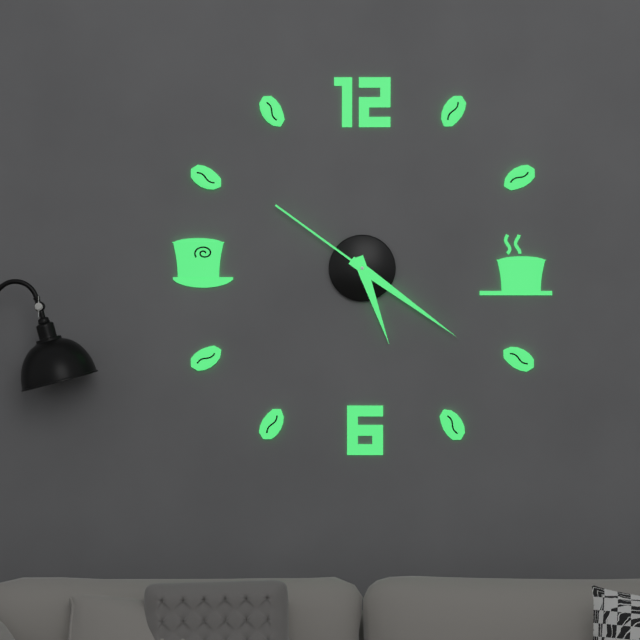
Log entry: 5h21m51s
